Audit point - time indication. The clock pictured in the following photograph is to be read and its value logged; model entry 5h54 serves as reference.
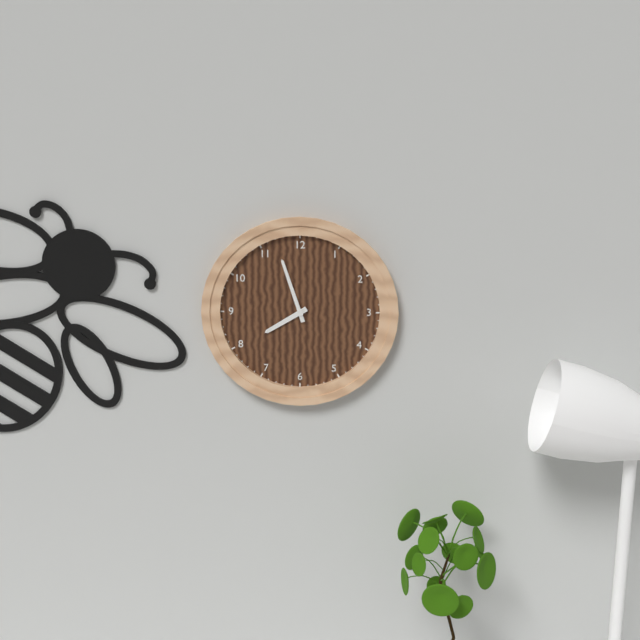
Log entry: 7h57
